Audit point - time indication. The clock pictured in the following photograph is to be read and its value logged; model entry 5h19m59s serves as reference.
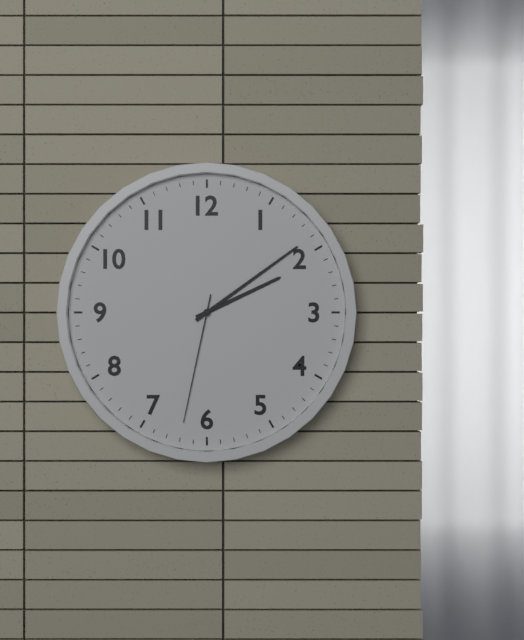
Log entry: 2h09m32s
